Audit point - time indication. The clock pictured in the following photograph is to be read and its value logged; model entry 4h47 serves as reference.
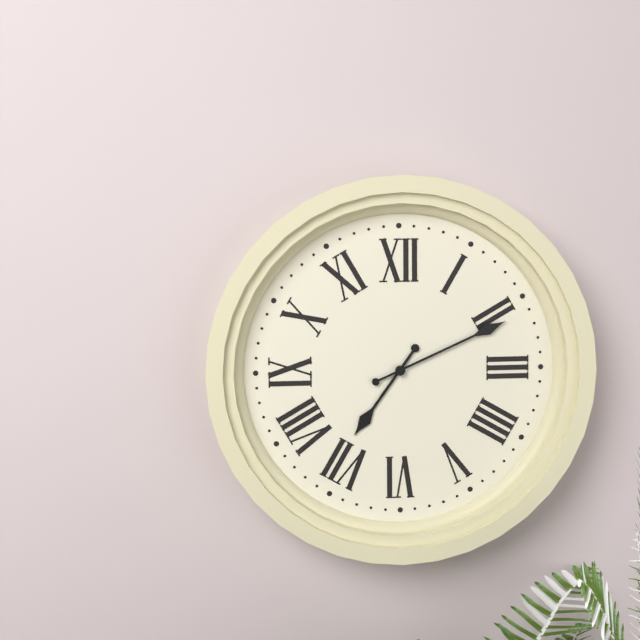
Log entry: 7h11
